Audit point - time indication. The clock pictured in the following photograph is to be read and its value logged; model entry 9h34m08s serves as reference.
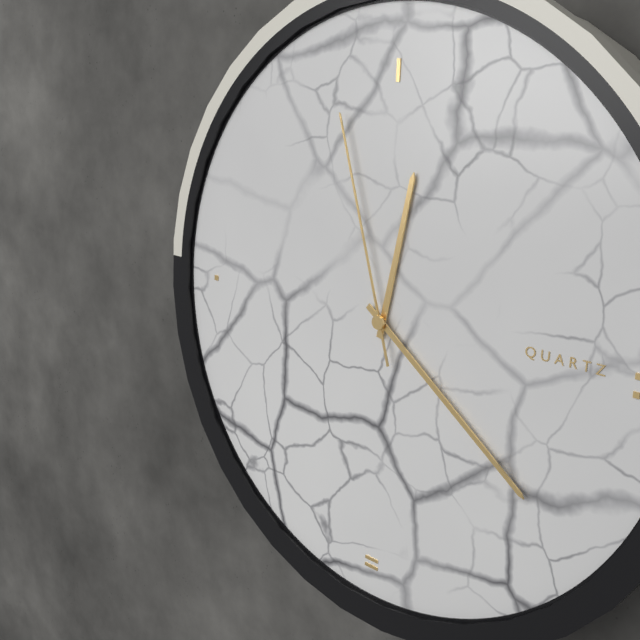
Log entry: 12h21m57s
